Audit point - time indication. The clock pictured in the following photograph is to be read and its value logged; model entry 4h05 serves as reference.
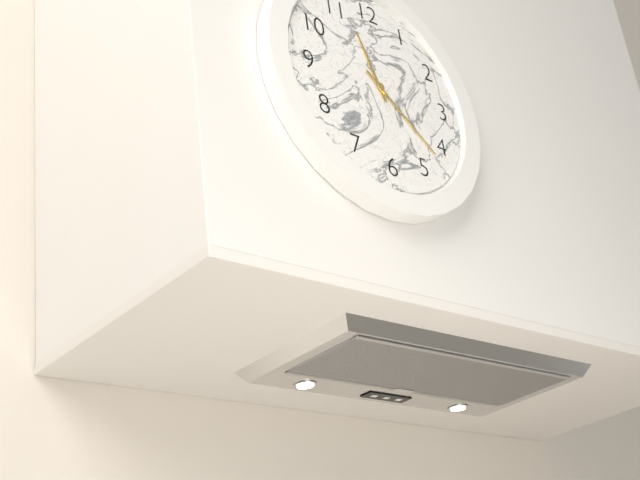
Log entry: 11h22
